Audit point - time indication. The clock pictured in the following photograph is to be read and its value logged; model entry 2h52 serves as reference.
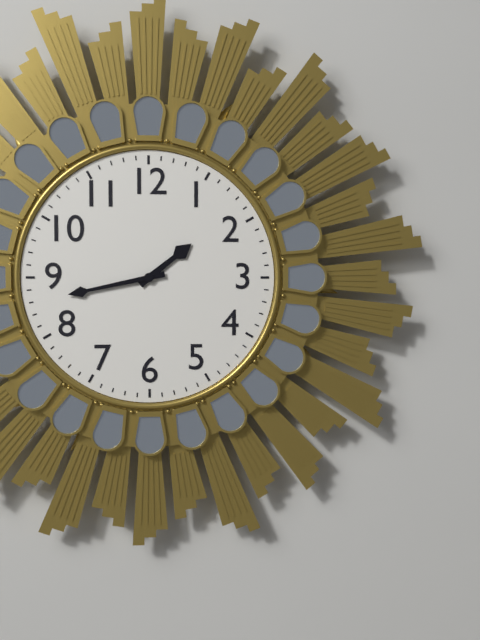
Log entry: 1h43
